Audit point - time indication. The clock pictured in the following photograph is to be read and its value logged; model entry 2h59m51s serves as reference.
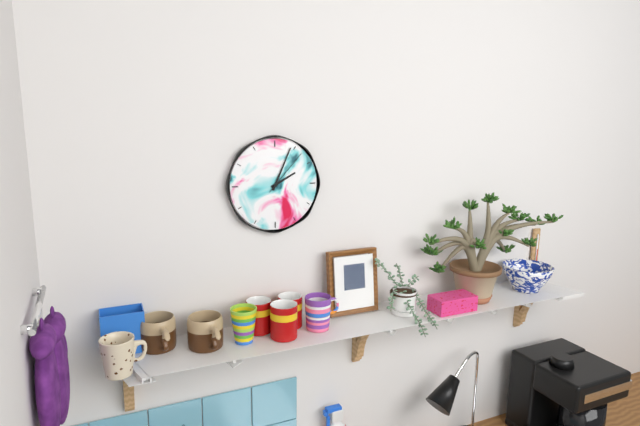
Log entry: 2h04m07s
